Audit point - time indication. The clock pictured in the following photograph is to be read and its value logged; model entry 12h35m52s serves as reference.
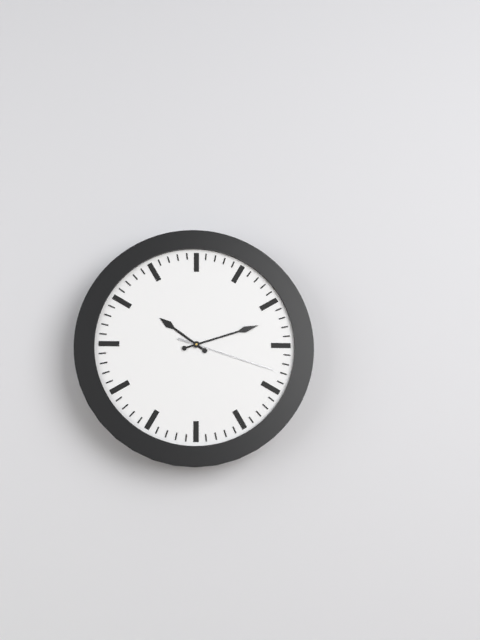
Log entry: 10h12m18s
